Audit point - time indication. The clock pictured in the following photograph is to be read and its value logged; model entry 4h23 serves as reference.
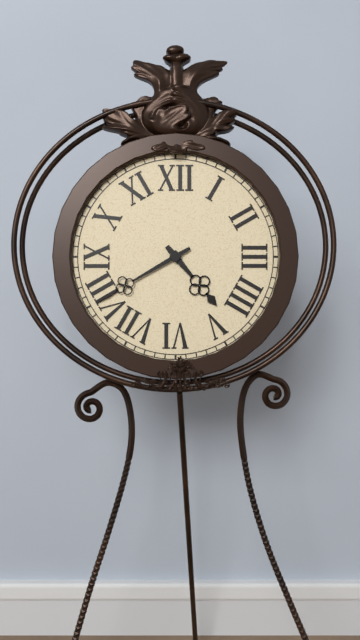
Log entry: 4h40
